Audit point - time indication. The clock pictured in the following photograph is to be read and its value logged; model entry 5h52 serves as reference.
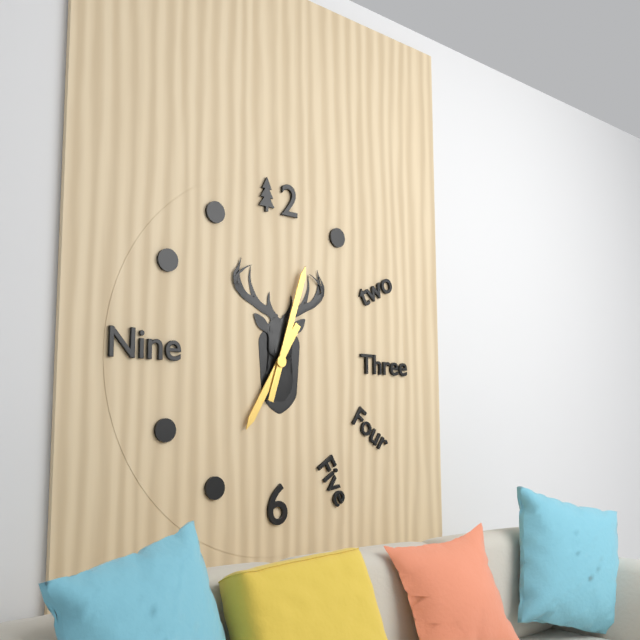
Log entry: 7h03
